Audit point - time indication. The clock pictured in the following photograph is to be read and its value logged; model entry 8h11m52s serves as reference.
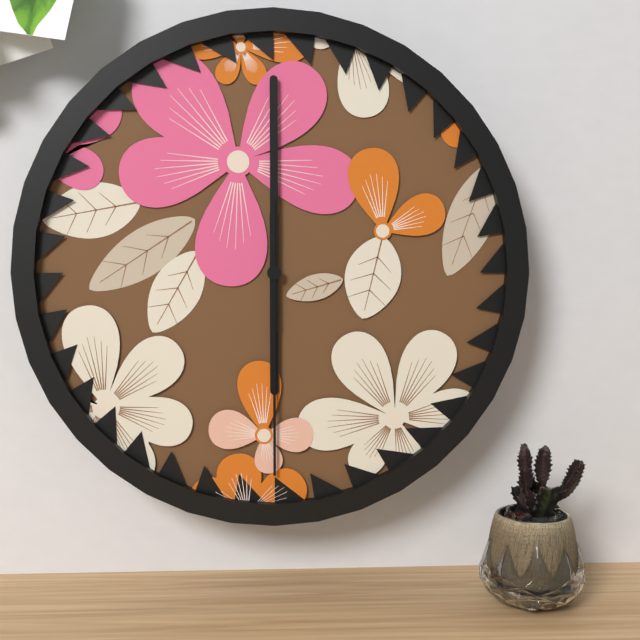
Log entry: 6h00m30s
